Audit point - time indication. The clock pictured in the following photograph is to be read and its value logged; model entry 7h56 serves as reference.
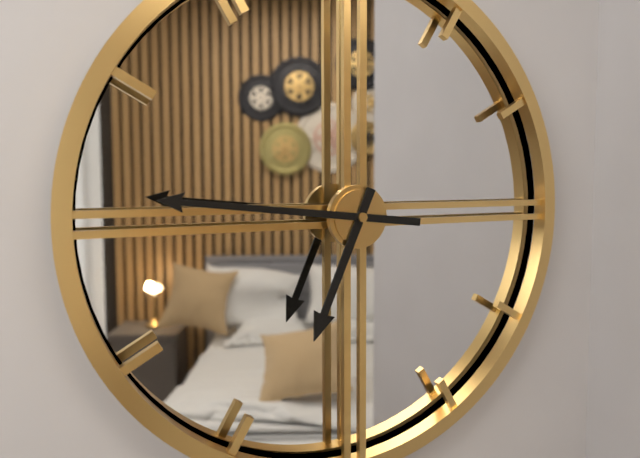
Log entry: 6h46
